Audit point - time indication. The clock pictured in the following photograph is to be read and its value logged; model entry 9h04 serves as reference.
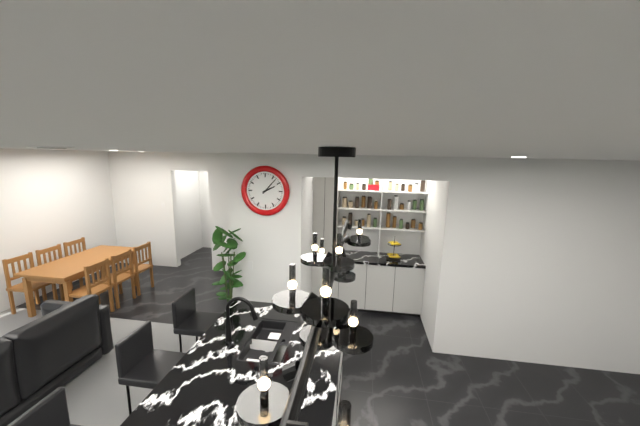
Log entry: 2h07
